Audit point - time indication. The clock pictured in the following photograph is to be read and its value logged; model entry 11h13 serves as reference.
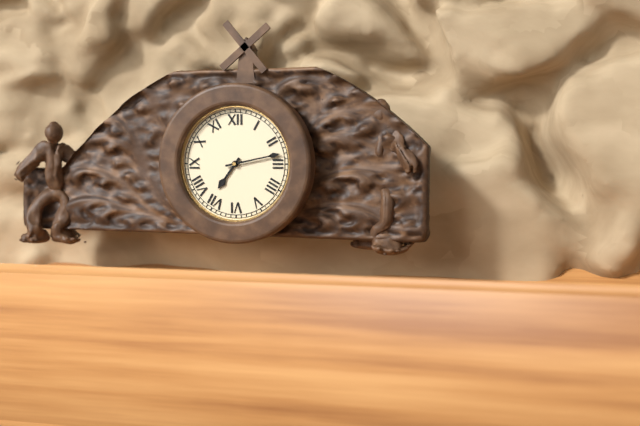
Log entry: 7h13
